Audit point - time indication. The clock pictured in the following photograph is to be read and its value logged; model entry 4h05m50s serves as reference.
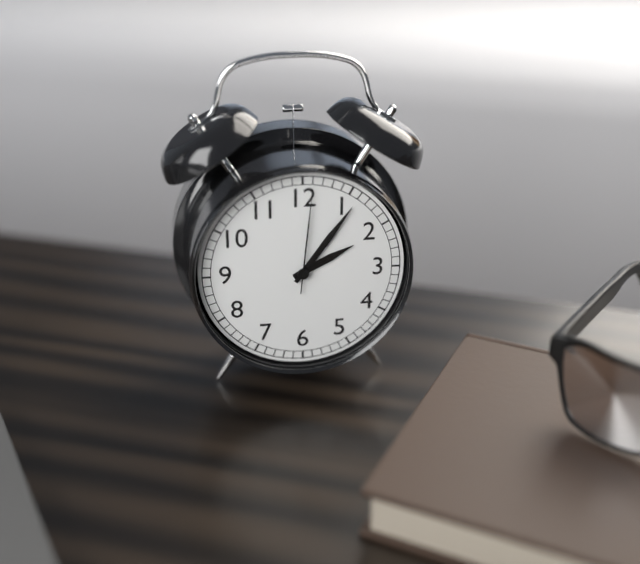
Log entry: 2h06m01s
